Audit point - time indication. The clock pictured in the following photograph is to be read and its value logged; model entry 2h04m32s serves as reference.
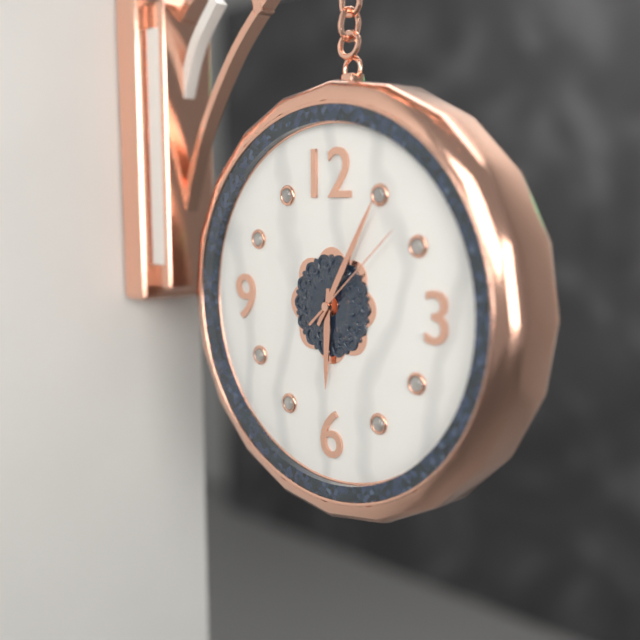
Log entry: 6h05m08s
